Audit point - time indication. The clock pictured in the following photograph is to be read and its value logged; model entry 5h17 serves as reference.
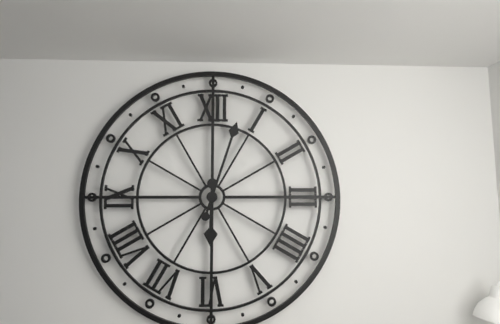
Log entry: 6h03
